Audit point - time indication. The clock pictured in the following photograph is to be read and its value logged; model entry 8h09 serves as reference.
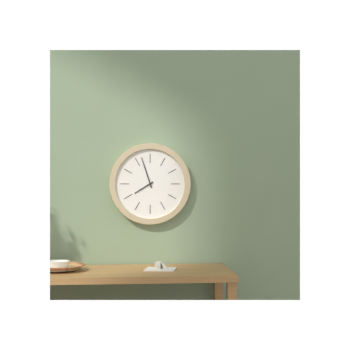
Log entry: 7h57
